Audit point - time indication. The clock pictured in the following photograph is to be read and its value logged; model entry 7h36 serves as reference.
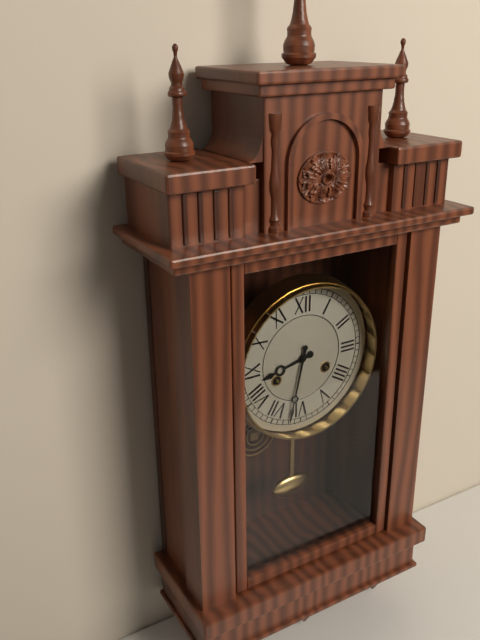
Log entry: 8h32
